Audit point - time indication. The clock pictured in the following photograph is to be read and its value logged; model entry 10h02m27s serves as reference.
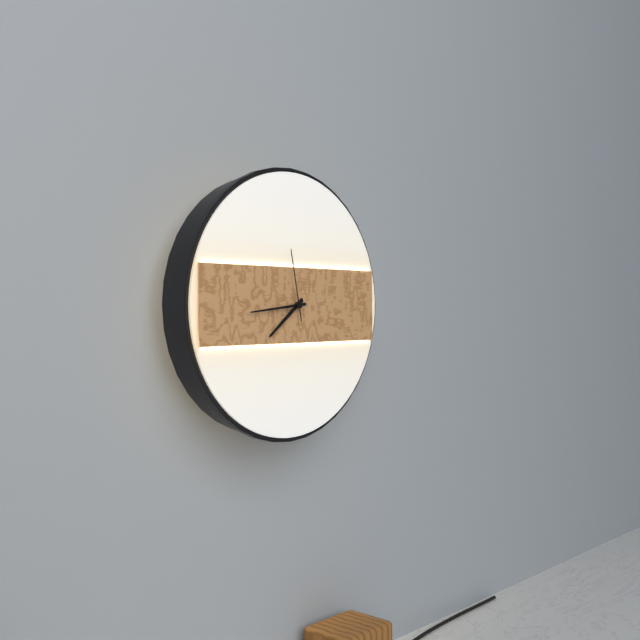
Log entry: 7h44m58s
